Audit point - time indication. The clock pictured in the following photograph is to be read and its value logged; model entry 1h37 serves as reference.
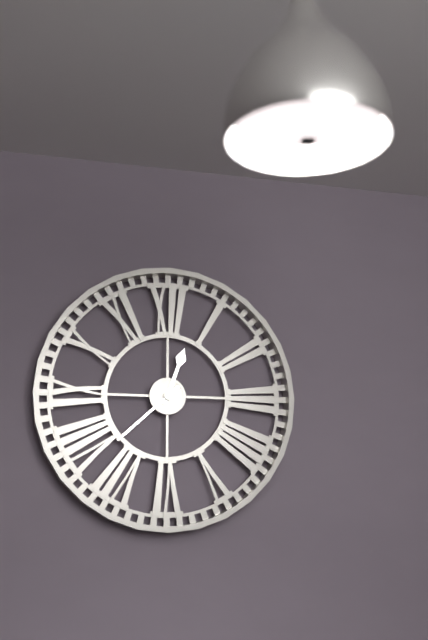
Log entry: 12h38
